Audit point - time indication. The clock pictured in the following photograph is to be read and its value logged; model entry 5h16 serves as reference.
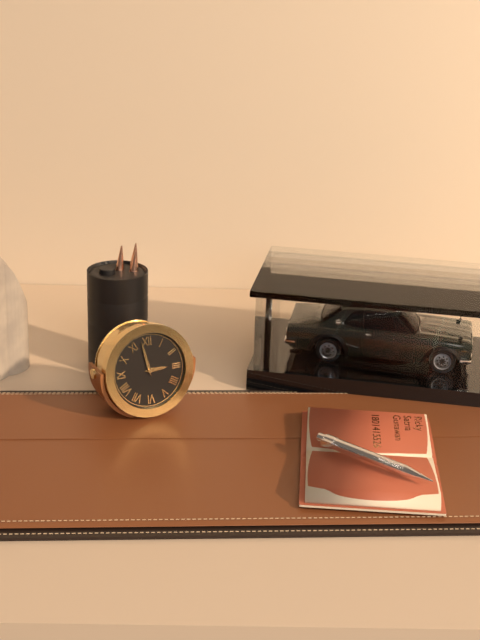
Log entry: 2h58
